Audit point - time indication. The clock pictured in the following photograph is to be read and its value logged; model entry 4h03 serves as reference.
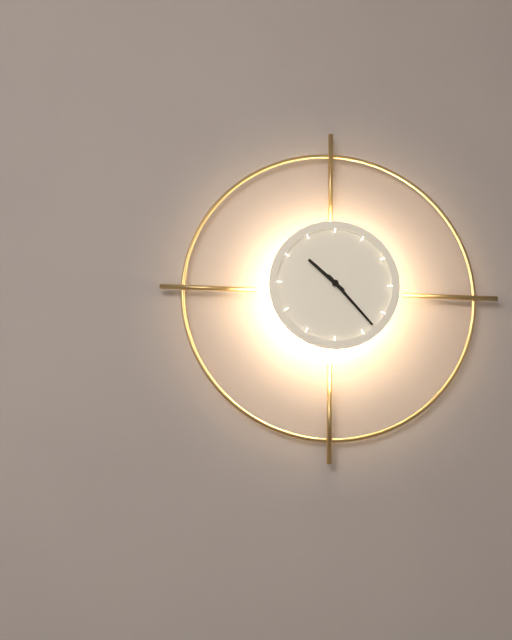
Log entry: 10h23
